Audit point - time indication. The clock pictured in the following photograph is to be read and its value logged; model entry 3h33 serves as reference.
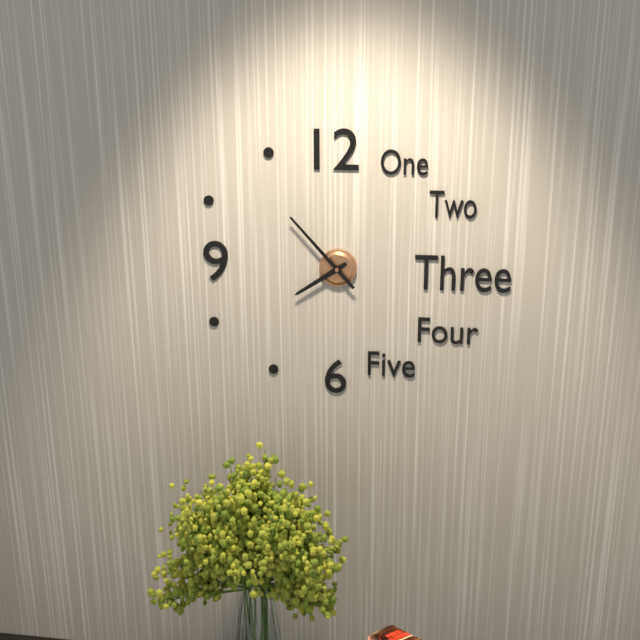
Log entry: 7h53
